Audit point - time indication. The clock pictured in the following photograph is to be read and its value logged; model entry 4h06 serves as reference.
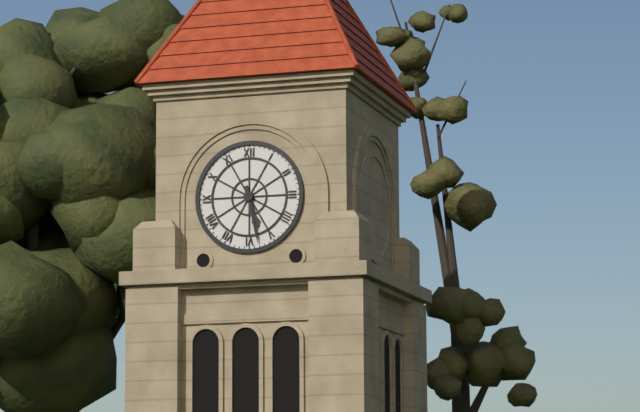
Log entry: 5h28
